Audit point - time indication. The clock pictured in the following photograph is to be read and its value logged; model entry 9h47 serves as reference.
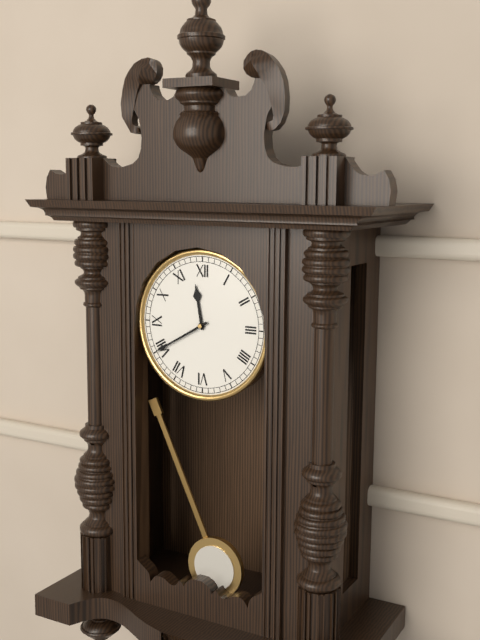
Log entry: 11h40
